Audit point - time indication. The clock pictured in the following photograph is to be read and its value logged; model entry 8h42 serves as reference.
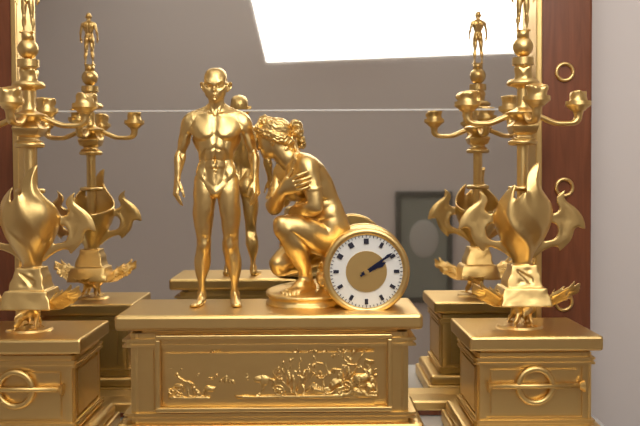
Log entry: 2h09
